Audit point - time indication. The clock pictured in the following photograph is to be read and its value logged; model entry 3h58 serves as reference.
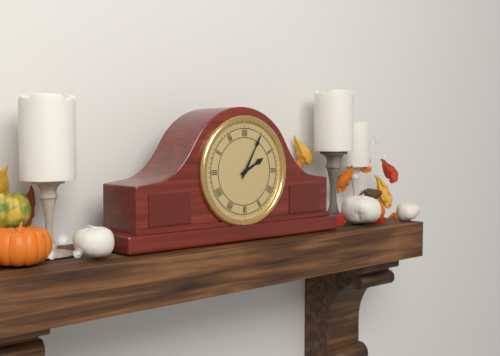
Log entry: 2h05
